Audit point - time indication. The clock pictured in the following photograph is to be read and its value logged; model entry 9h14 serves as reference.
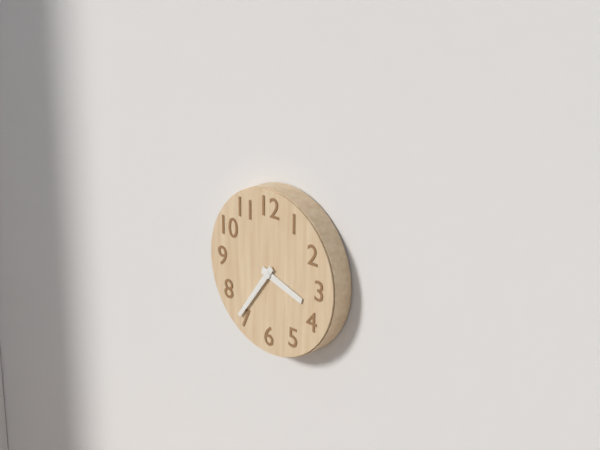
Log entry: 3h36
